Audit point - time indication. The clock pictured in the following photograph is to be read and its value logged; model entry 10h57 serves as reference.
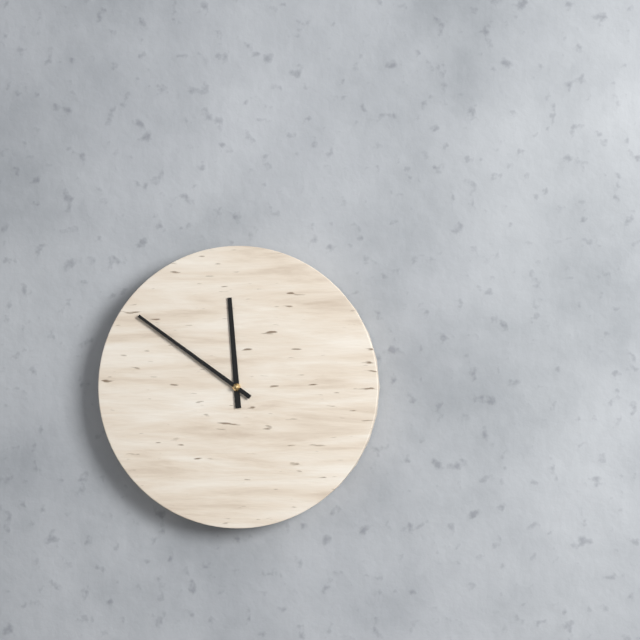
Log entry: 11h51
